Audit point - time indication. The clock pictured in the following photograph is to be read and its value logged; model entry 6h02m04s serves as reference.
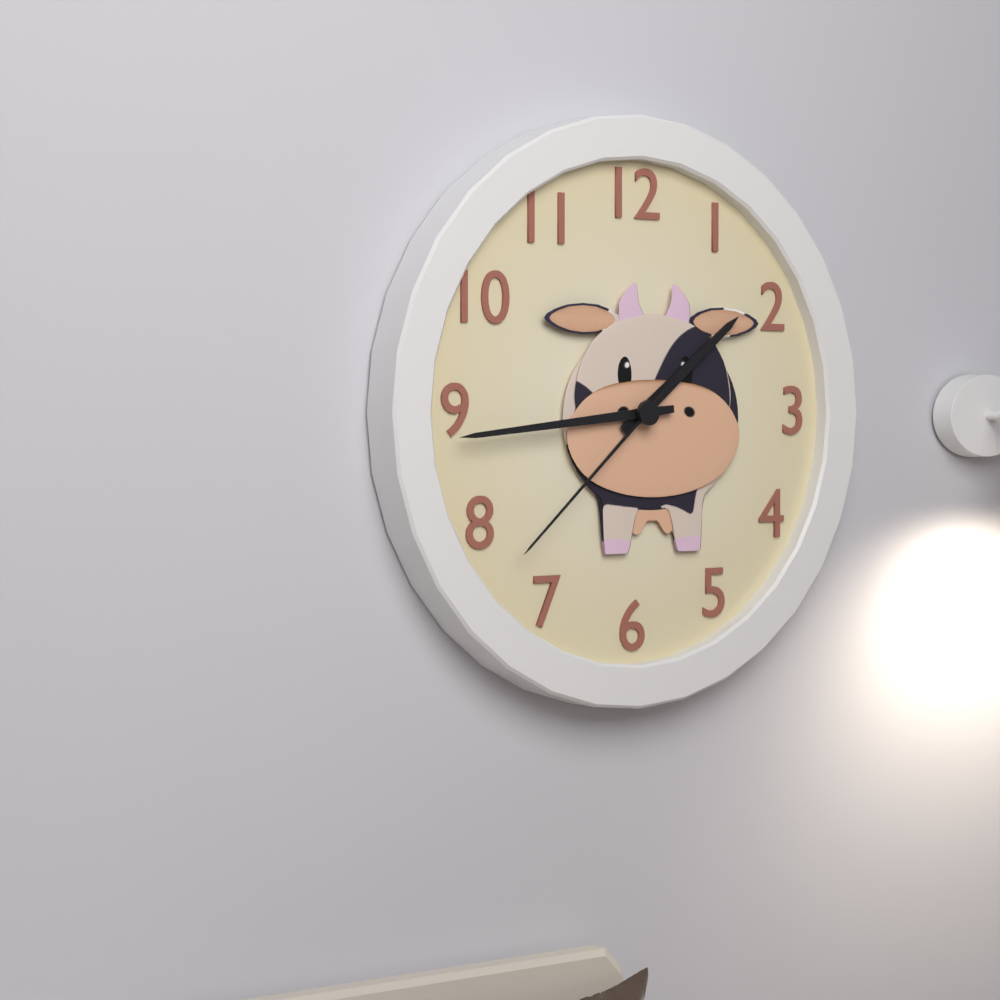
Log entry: 1h44m38s
